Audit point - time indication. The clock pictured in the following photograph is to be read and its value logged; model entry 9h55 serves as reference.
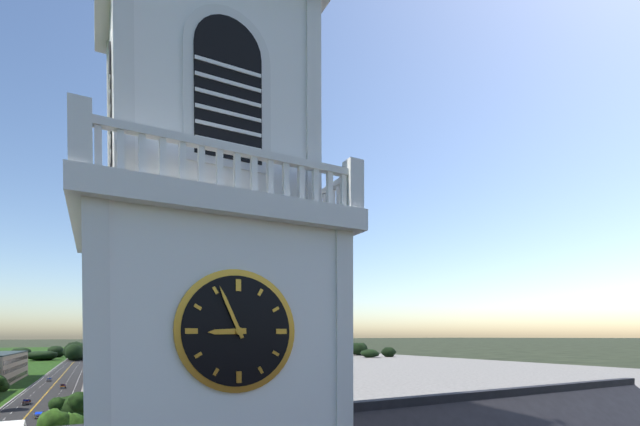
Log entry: 8h56
